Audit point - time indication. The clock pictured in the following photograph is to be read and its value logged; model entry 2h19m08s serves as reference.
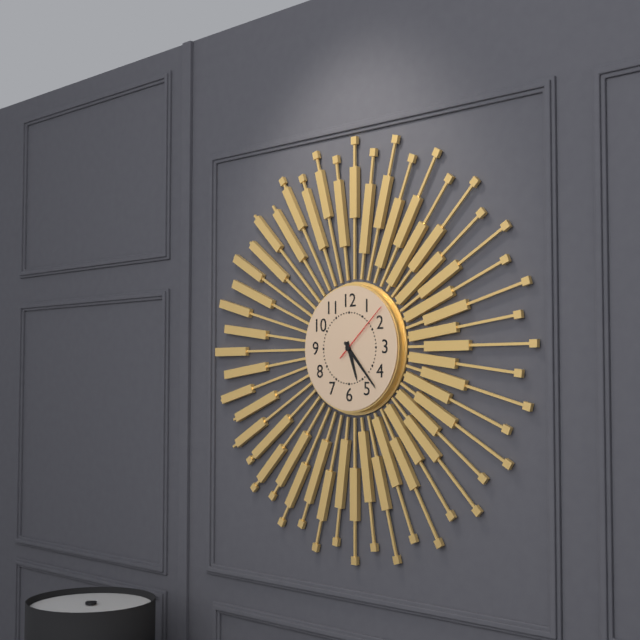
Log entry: 5h23m08s
